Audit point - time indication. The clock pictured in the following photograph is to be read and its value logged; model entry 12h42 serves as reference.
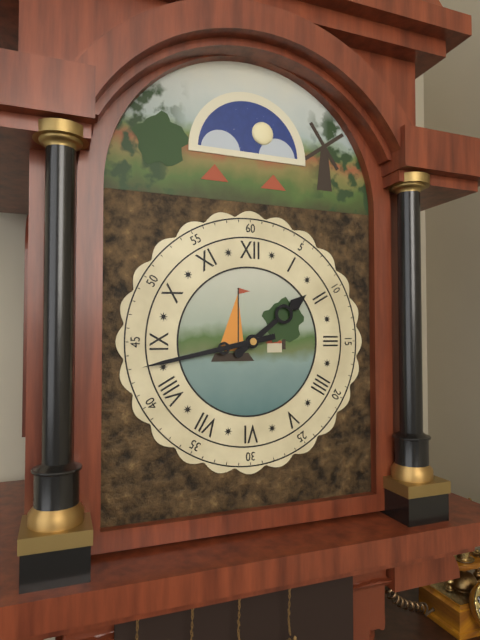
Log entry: 1h43
